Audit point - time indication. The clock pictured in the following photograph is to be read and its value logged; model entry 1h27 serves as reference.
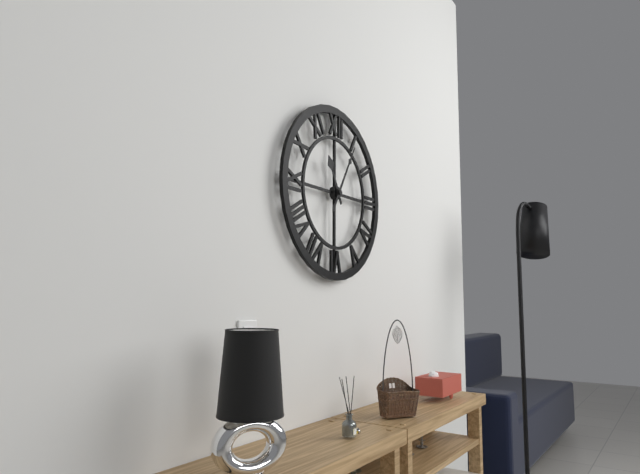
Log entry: 11h05
